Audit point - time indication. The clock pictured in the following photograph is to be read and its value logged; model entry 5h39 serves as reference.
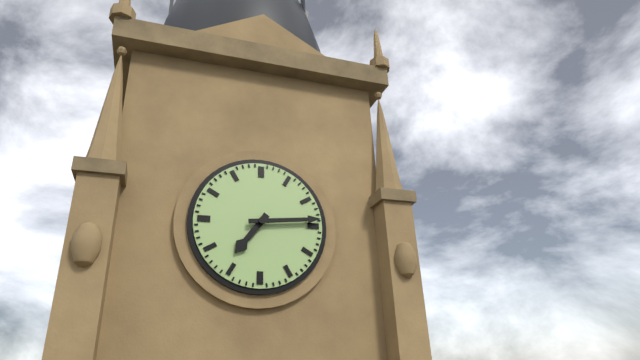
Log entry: 7h14
